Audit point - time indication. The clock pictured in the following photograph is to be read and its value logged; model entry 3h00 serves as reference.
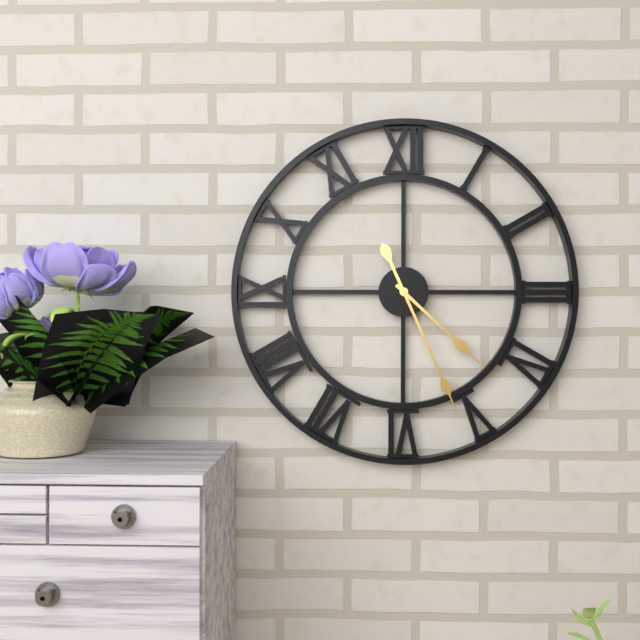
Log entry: 4h26
